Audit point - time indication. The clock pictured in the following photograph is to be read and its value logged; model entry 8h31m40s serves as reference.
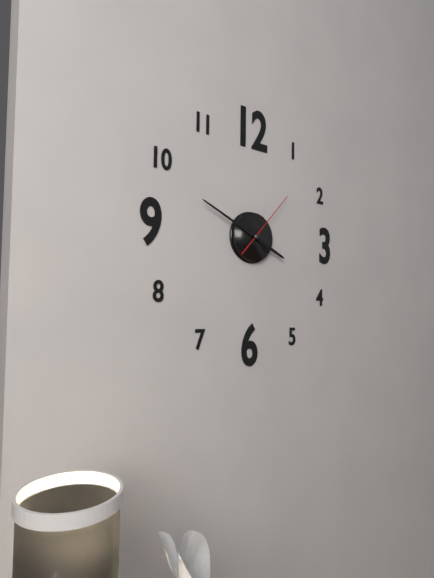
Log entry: 3h49m07s
